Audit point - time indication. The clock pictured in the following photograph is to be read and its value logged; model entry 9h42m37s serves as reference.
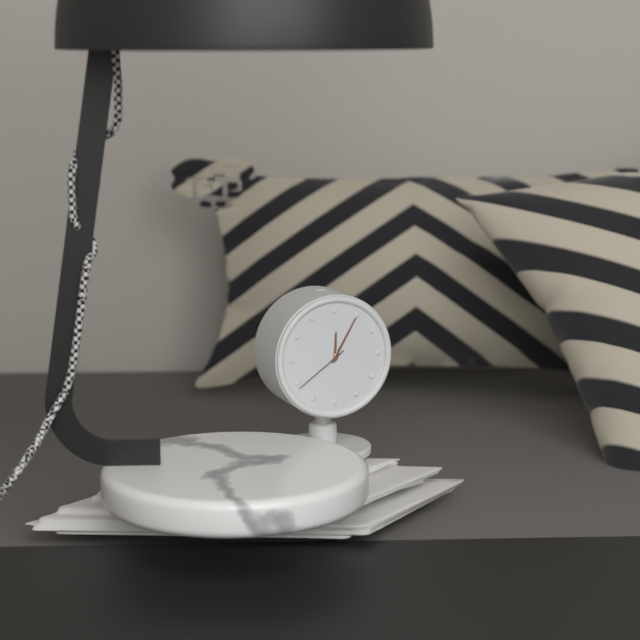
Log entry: 12h05m39s
